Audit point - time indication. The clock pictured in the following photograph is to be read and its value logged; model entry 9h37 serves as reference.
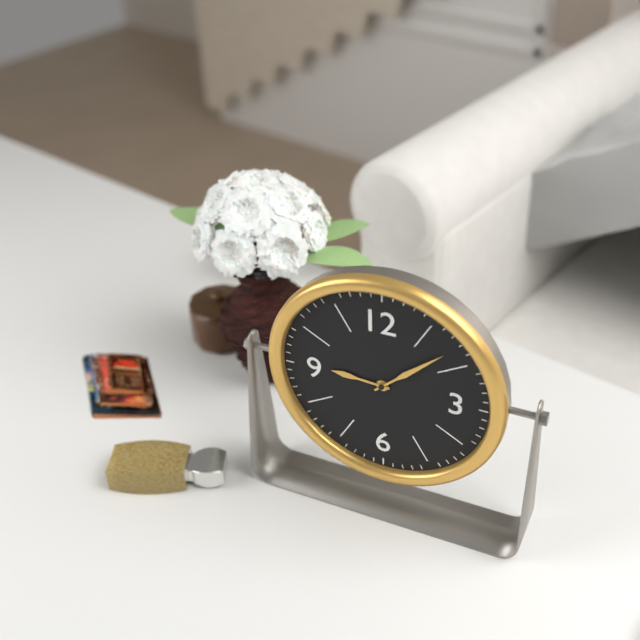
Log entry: 9h08
